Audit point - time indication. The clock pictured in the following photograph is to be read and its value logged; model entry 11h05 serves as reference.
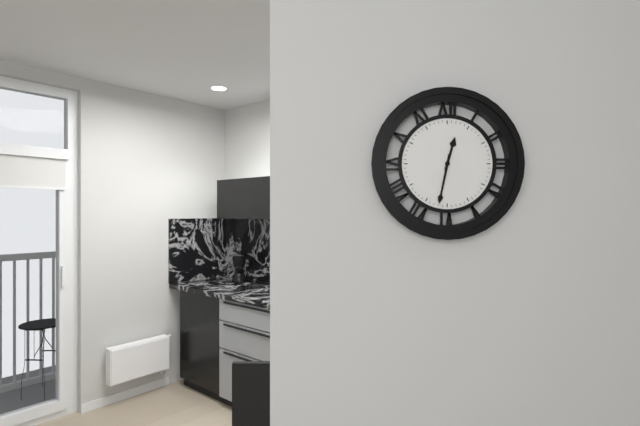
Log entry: 12h32
